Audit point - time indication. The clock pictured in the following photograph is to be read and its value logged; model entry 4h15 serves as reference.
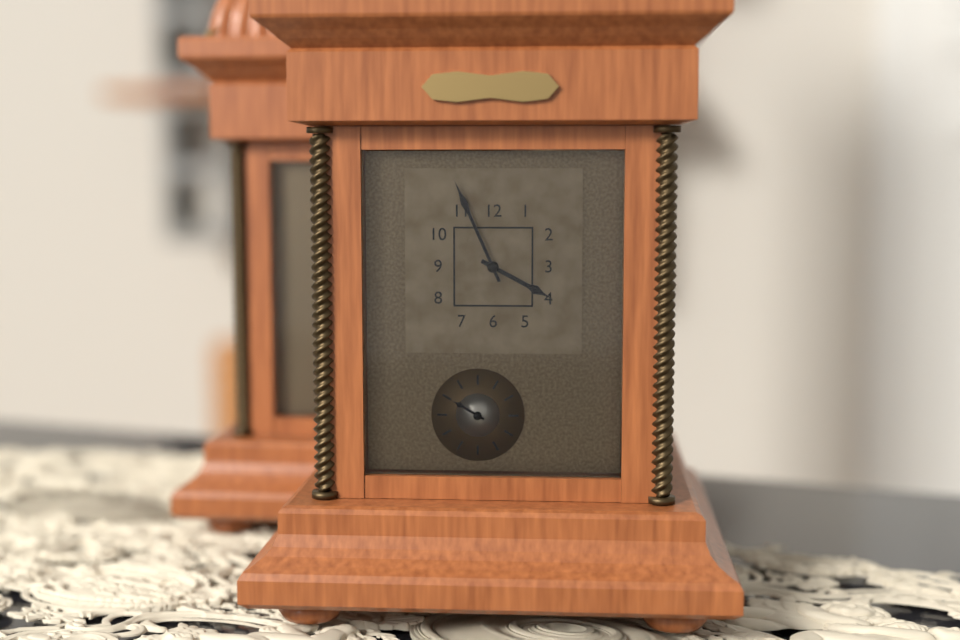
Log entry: 3h56
